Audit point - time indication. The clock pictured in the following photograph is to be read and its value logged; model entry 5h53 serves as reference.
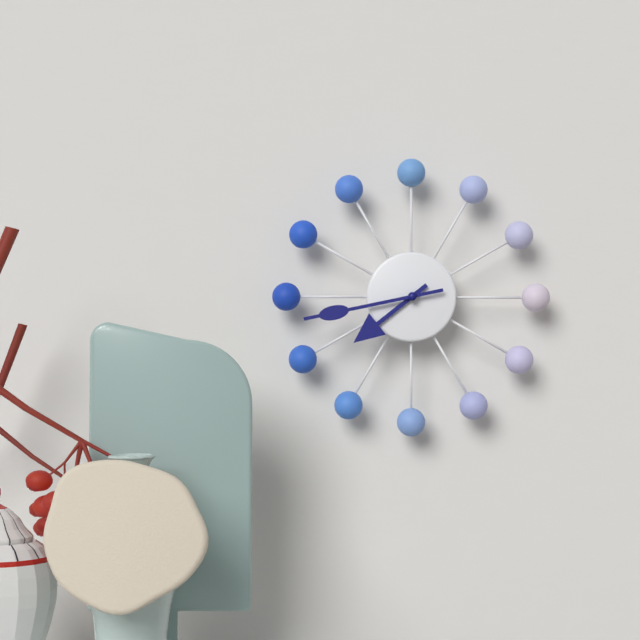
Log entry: 7h43
